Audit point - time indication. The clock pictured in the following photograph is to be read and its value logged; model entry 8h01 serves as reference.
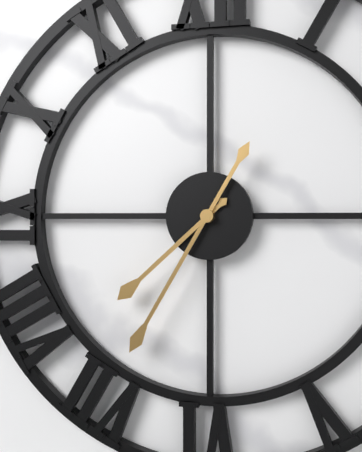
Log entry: 7h35
